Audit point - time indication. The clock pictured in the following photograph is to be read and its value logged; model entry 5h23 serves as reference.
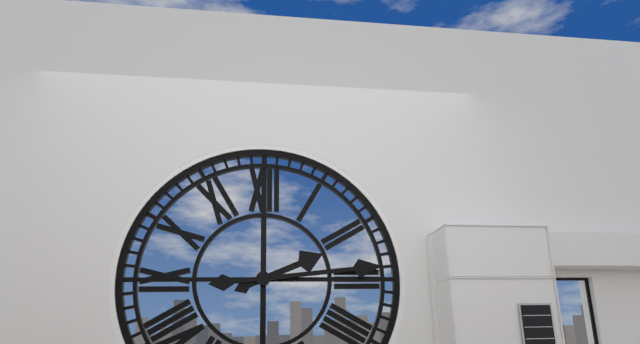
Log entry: 2h14
